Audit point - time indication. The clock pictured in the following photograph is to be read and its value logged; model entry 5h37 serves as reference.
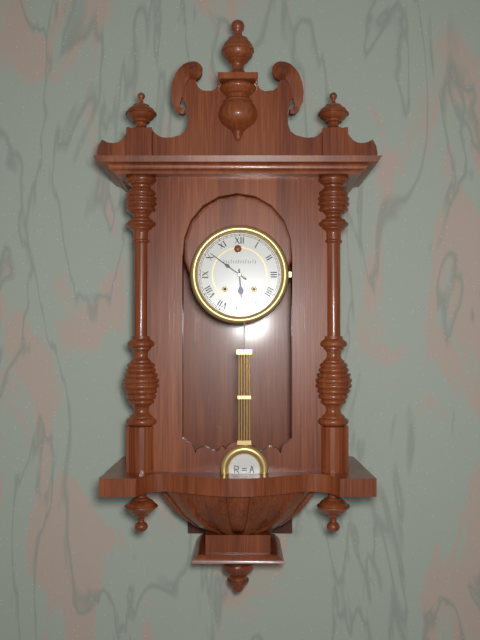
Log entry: 5h51
